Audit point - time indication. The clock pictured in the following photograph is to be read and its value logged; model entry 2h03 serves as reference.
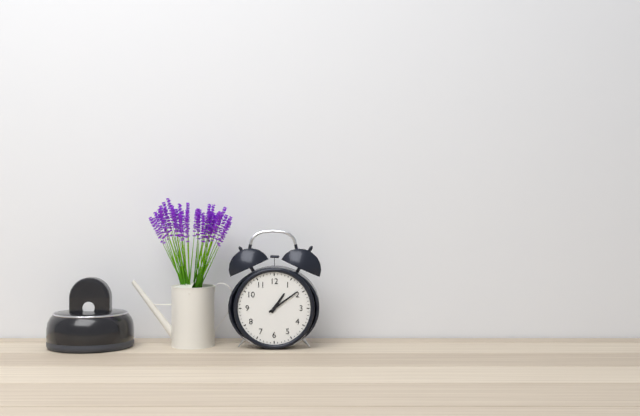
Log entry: 1h09
